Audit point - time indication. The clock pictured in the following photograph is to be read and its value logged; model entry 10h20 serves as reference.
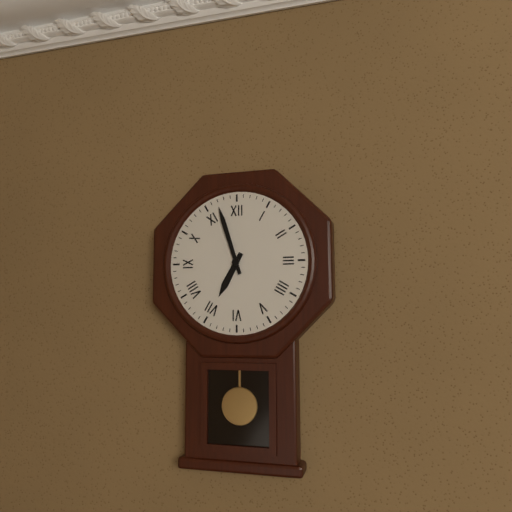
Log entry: 6h57
